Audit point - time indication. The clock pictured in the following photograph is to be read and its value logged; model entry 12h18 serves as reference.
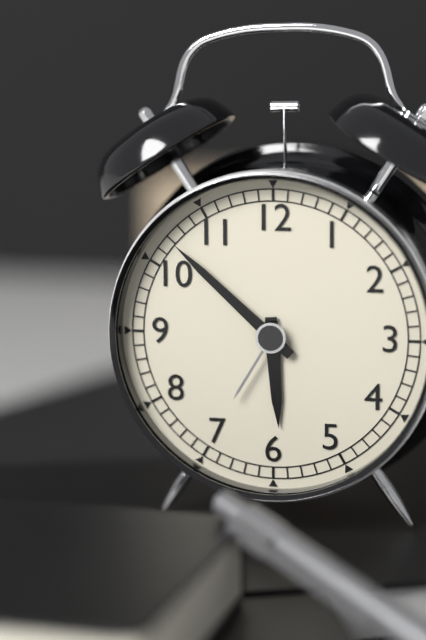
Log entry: 5h52
